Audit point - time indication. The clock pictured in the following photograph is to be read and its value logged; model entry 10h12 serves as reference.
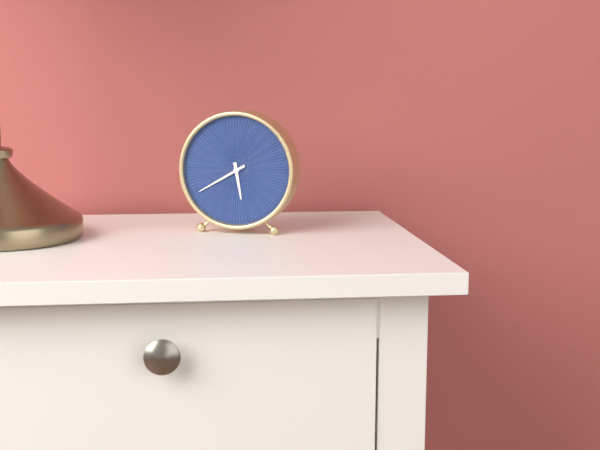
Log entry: 5h40
